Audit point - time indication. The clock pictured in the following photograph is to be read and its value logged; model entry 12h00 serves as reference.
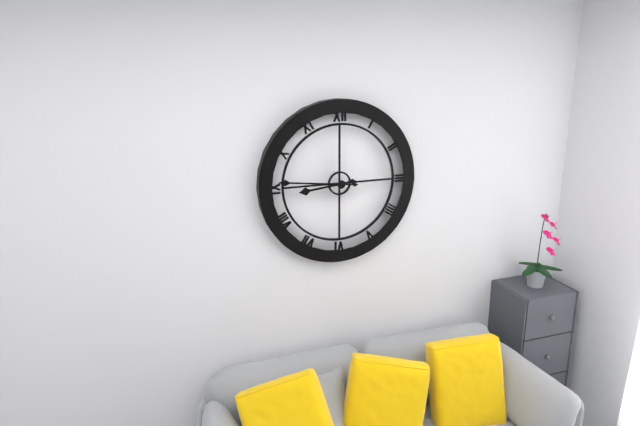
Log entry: 8h46
